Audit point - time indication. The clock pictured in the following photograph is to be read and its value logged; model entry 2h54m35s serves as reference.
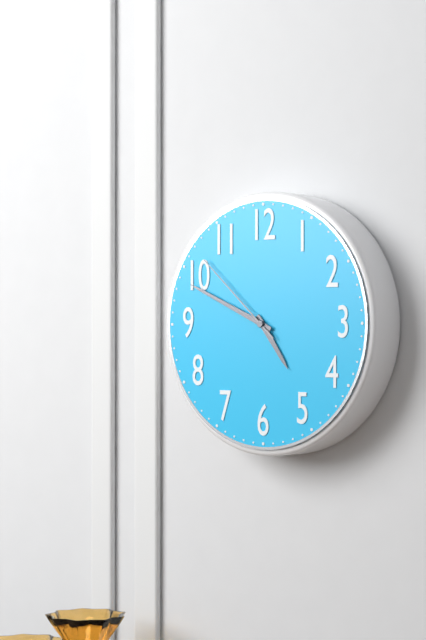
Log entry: 4h49m52s
